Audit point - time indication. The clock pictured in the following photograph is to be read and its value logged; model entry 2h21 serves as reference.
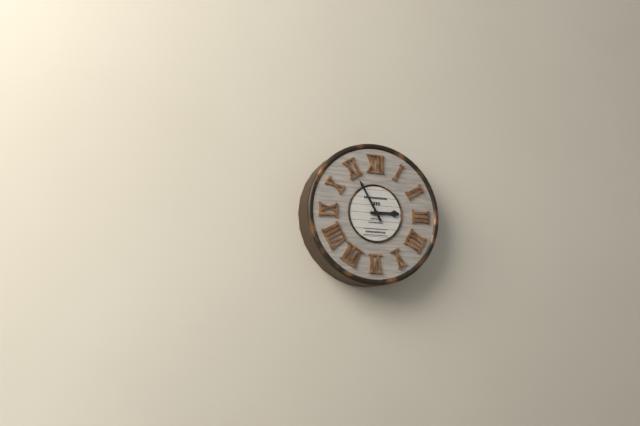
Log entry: 2h55
